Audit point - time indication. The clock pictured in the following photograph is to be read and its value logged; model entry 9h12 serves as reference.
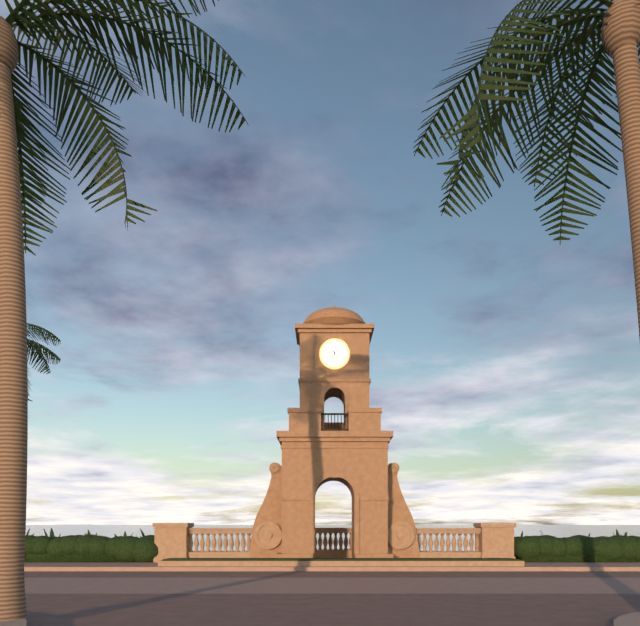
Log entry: 11h03
